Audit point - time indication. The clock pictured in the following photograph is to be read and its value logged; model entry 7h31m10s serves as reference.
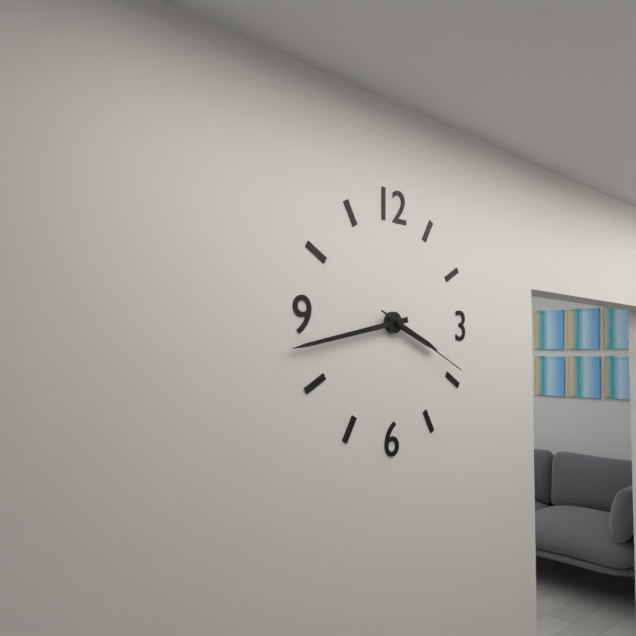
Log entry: 3h43m19s
